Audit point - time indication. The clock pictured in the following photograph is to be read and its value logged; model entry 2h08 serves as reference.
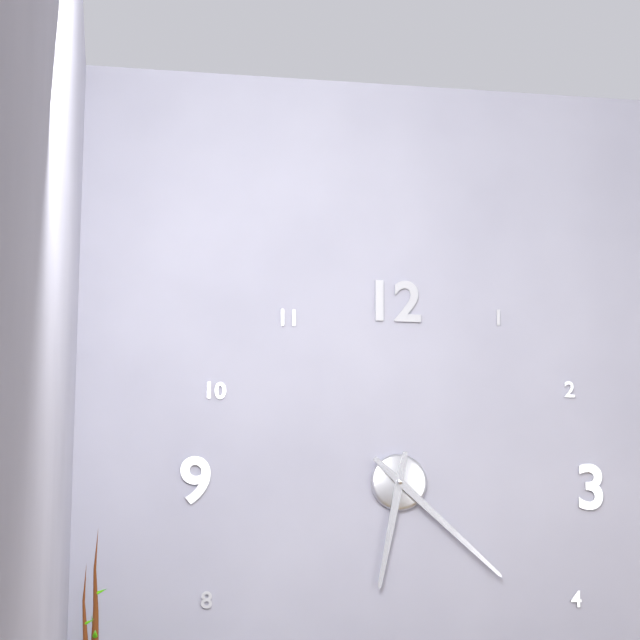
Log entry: 6h22
